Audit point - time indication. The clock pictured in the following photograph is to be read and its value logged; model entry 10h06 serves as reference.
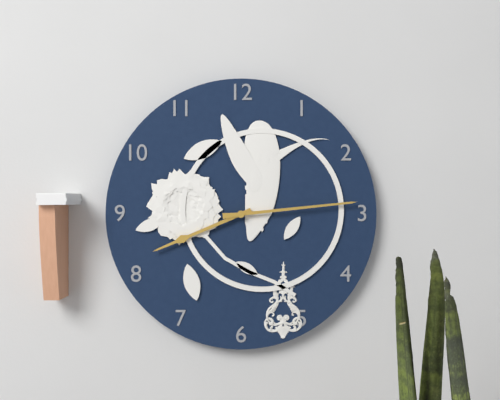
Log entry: 8h14
